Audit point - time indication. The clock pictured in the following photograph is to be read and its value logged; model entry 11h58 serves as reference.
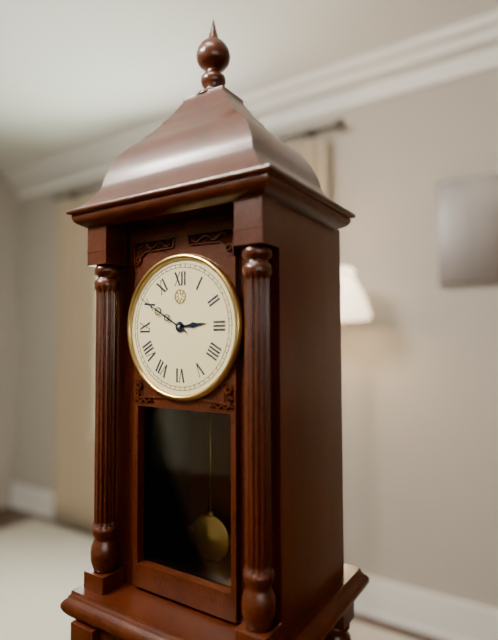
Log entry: 2h50
